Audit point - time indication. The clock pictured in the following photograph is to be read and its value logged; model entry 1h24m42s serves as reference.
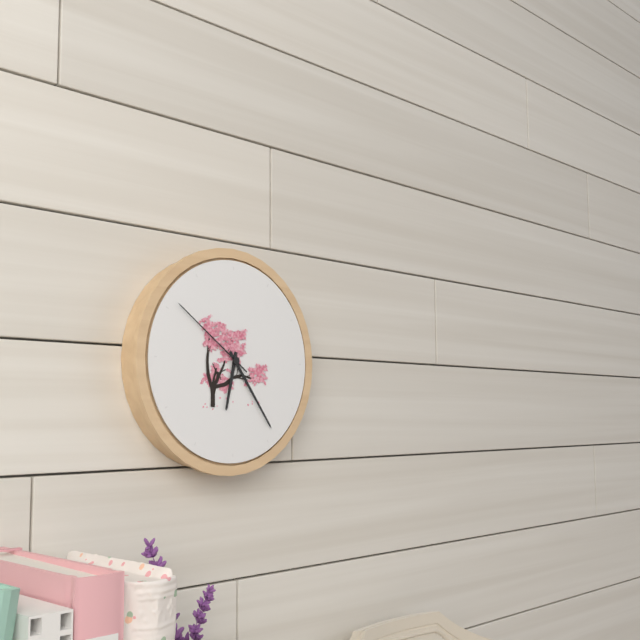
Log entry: 6h24m51s
